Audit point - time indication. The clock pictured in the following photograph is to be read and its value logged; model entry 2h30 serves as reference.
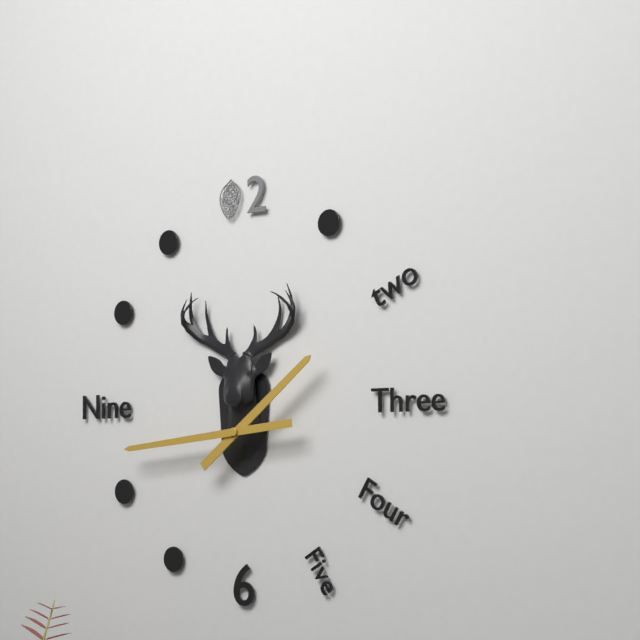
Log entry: 1h44
